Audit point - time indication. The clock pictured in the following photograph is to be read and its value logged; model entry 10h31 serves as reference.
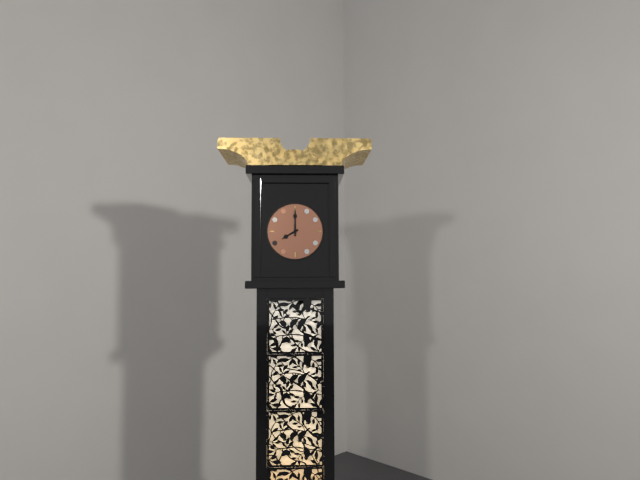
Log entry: 8h00
